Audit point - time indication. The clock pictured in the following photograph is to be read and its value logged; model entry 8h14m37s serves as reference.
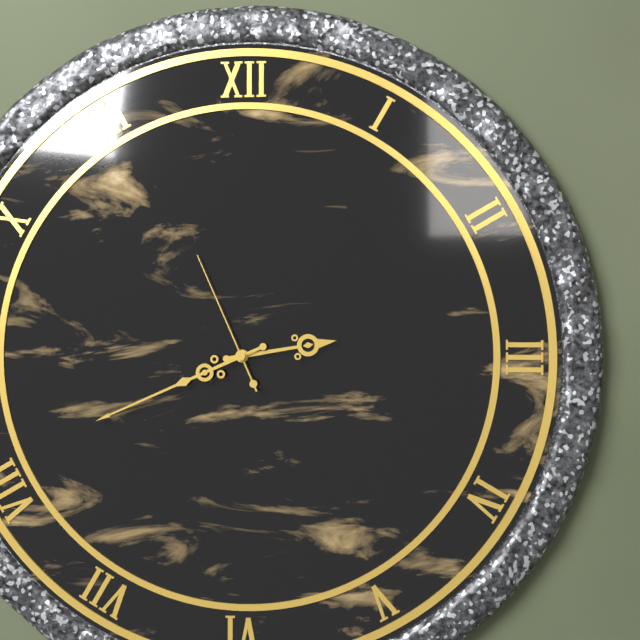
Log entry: 2h41m56s
